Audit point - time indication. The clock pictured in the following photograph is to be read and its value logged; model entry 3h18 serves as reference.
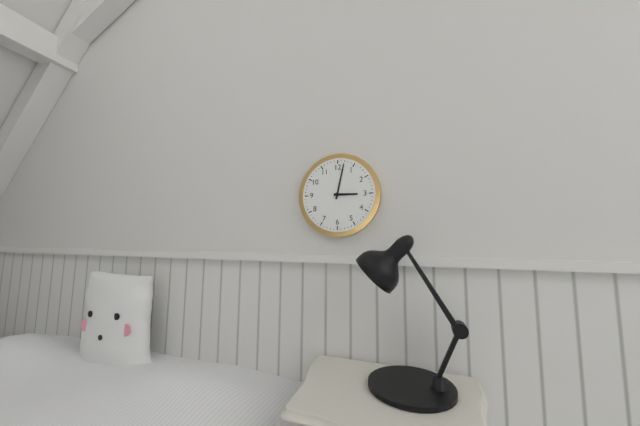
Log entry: 3h02
